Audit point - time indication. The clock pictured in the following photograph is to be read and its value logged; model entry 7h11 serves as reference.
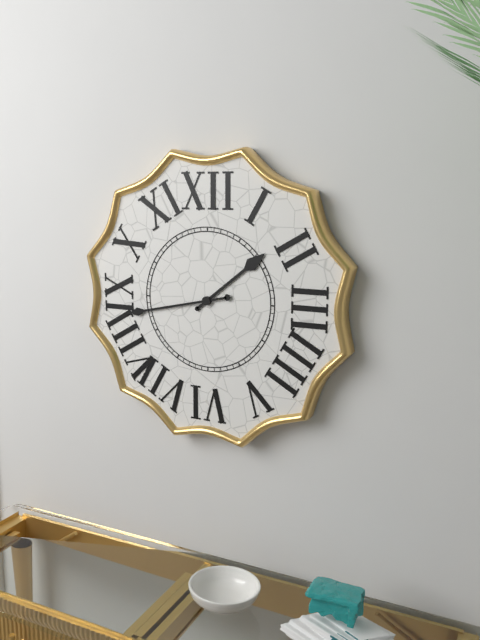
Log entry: 1h43
